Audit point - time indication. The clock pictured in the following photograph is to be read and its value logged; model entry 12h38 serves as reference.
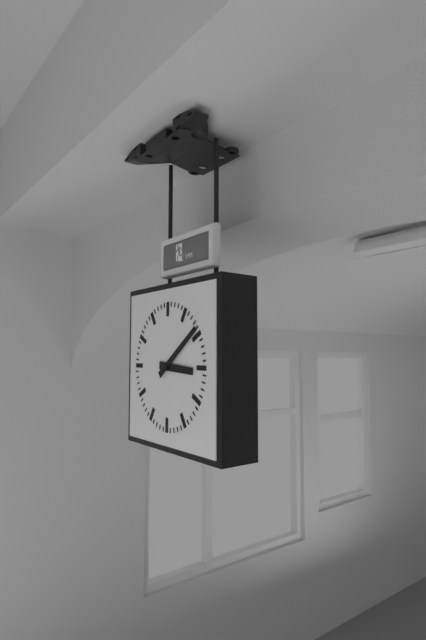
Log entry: 3h09
